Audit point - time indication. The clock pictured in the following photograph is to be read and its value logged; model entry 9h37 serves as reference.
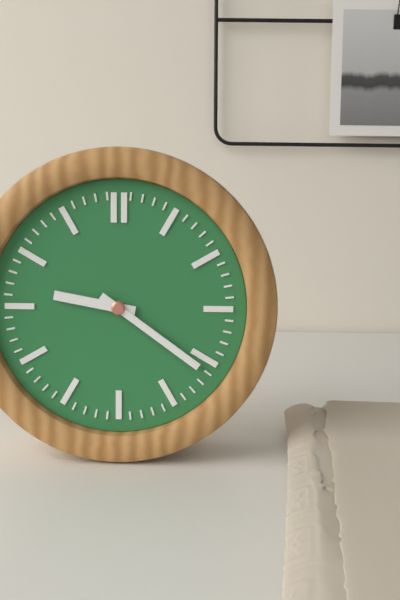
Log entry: 9h21
